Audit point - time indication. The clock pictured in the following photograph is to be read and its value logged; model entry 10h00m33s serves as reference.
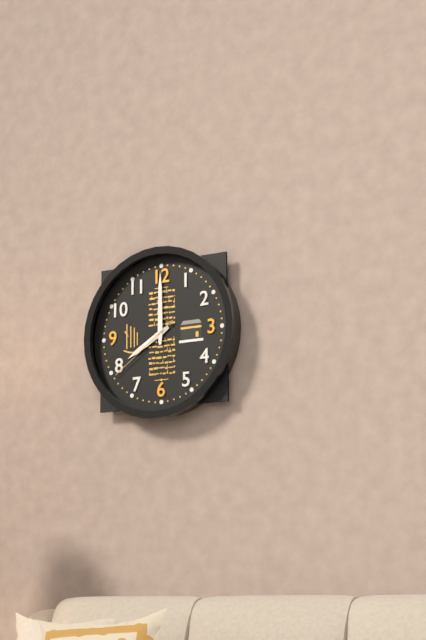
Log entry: 8h00m39s
